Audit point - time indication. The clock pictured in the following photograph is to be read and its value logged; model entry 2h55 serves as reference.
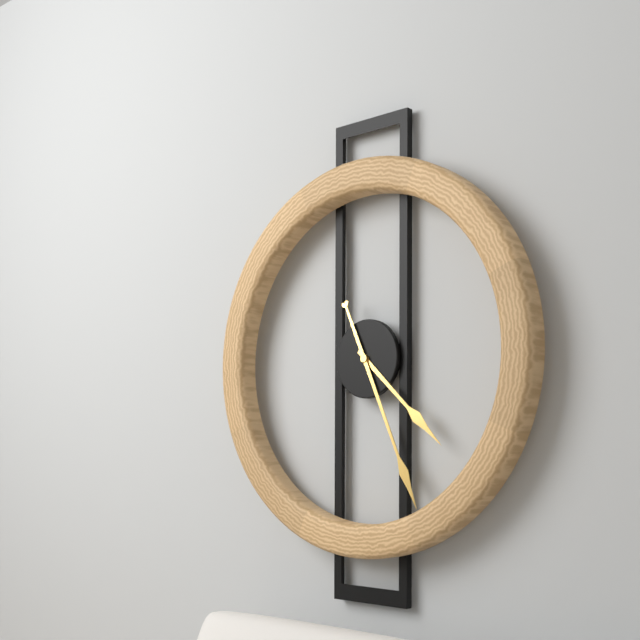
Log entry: 4h26
